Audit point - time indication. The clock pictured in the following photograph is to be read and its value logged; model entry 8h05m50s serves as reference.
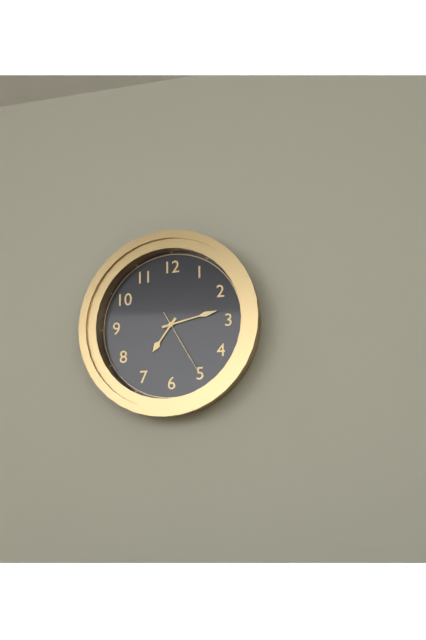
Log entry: 7h13m25s
